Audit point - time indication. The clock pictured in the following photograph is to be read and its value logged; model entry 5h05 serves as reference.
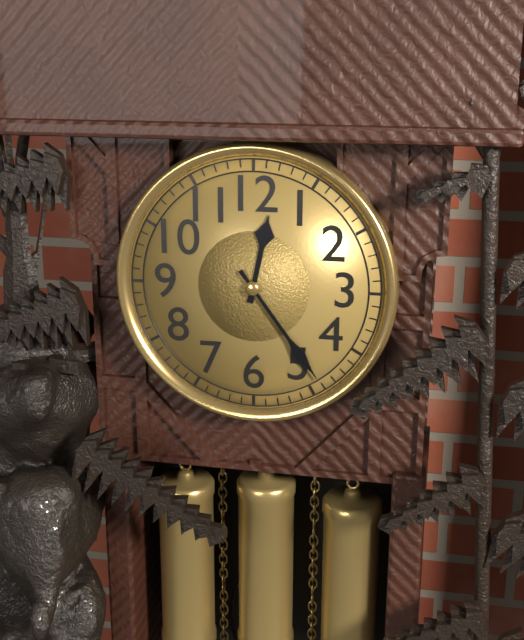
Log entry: 12h24
